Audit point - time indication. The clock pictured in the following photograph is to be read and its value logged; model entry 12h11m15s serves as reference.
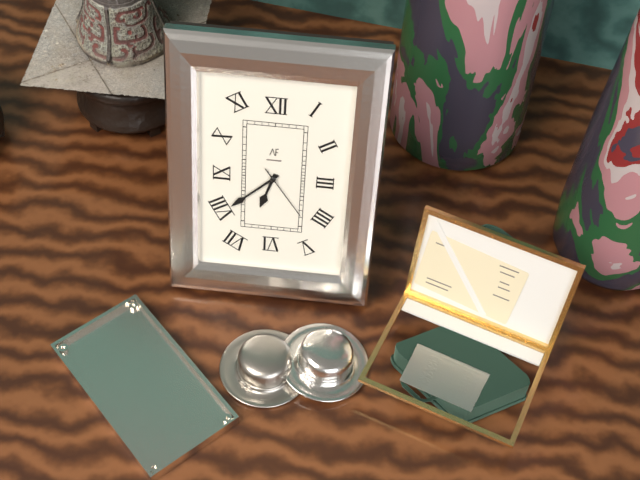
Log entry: 6h38m24s
